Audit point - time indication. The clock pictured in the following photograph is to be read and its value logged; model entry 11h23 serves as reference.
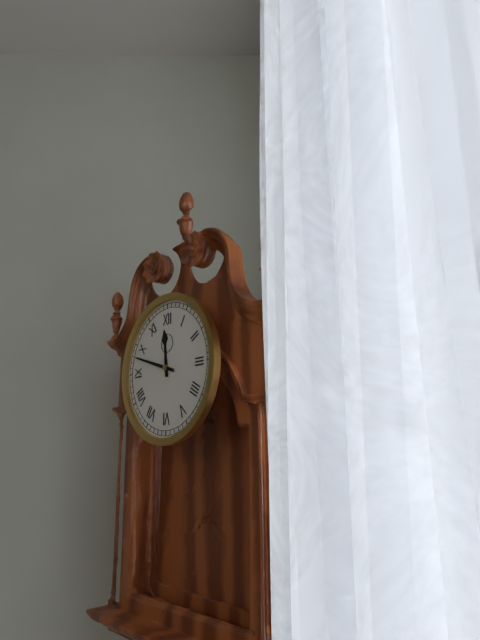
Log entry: 11h48
